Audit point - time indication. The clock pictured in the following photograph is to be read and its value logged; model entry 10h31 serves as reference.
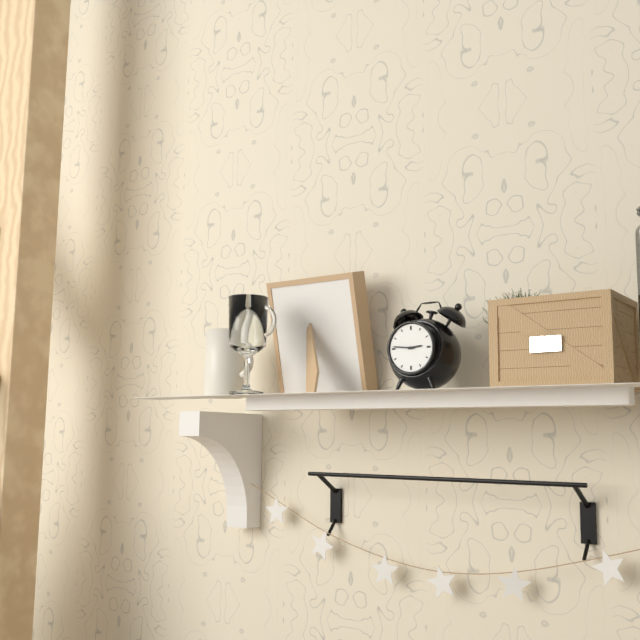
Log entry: 2h46
